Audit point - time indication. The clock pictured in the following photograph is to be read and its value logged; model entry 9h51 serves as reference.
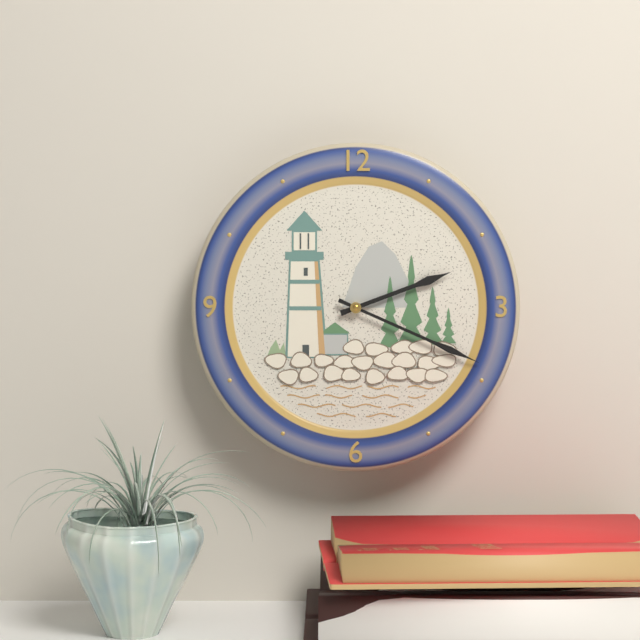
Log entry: 2h19
